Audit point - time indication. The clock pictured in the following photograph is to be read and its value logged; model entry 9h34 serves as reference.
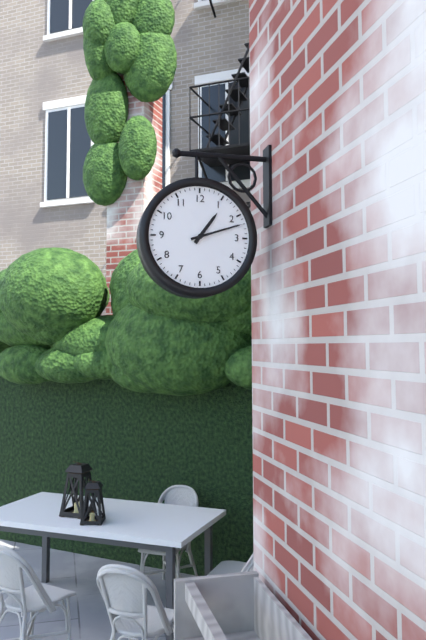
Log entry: 1h12
